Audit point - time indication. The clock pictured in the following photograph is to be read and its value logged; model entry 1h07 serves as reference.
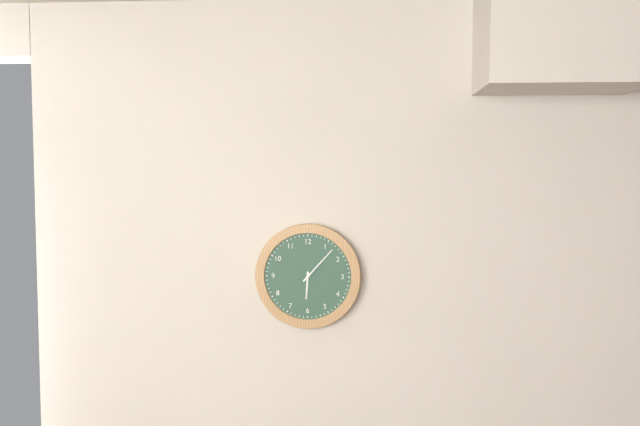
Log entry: 6h07
